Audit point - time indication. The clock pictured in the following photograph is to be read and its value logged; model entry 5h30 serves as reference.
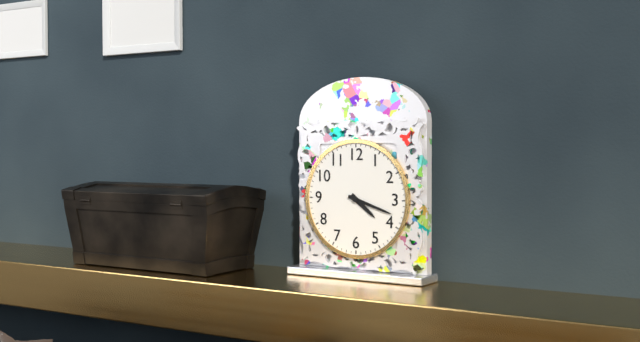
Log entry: 4h18
